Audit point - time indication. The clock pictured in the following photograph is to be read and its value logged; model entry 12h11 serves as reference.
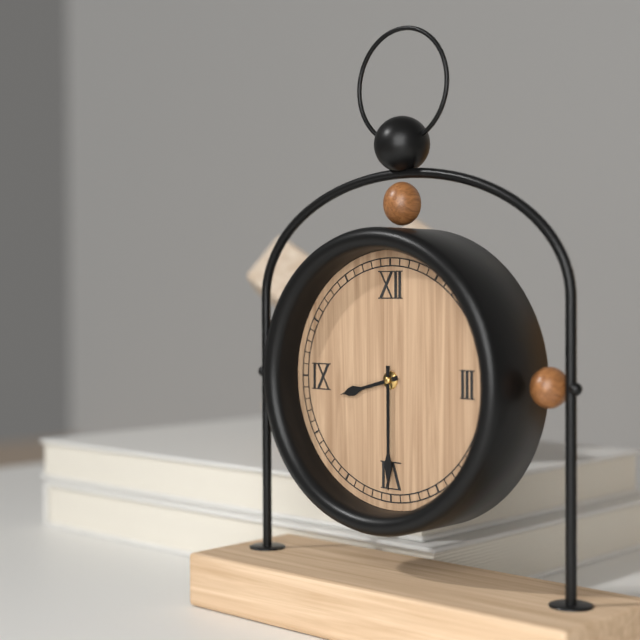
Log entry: 8h30
